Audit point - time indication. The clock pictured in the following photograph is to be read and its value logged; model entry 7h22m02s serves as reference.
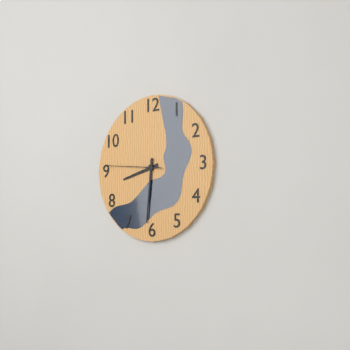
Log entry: 8h31m46s
